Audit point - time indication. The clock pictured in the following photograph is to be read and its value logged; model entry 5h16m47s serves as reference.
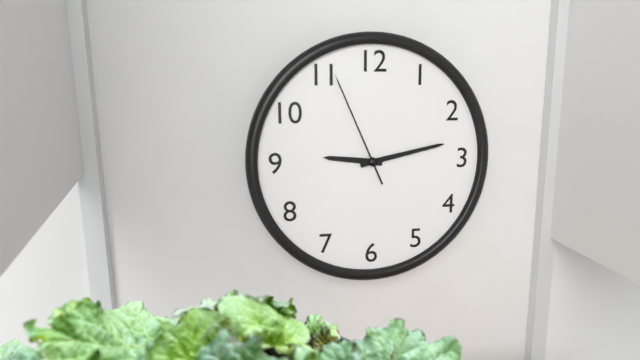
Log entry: 9h13m56s
